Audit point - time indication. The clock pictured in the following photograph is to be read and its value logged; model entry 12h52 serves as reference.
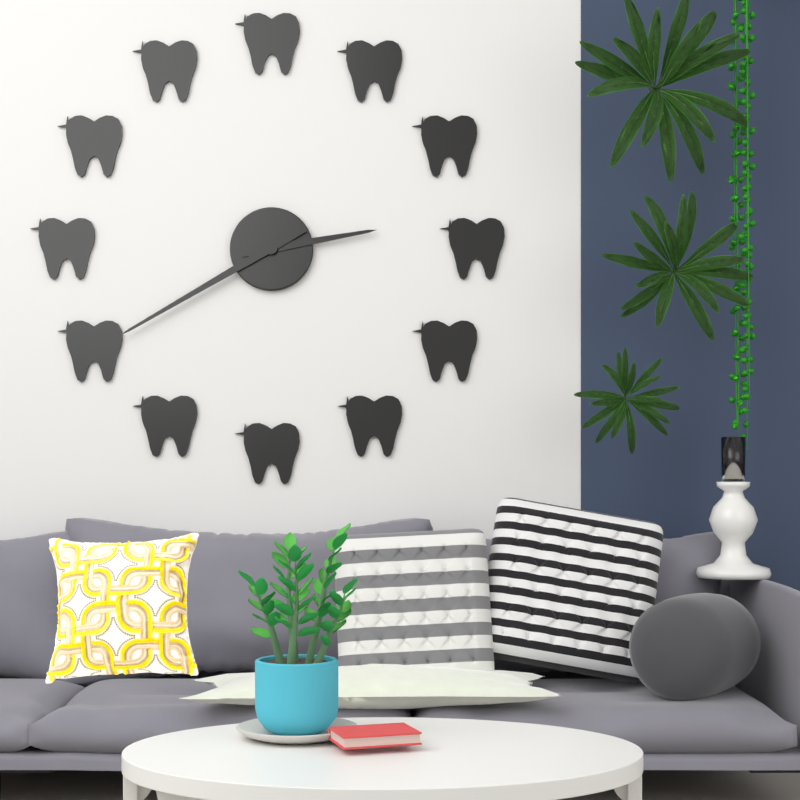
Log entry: 2h40
